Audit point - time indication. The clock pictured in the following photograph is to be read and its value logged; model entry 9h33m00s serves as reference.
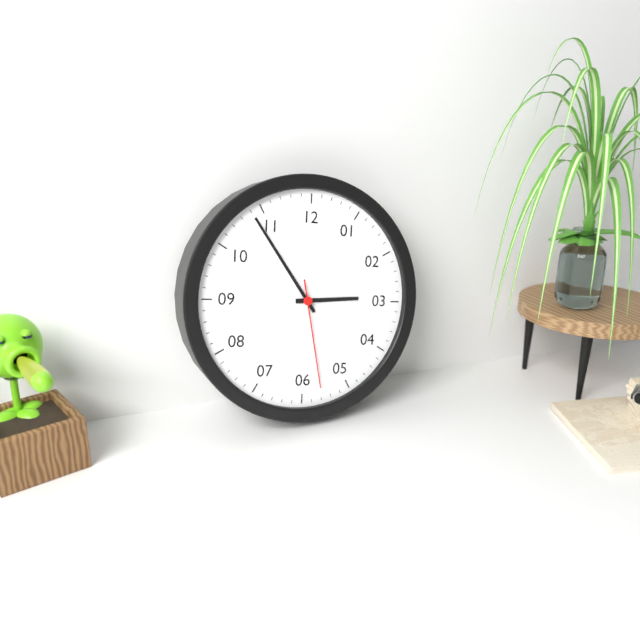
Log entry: 2h54m28s
